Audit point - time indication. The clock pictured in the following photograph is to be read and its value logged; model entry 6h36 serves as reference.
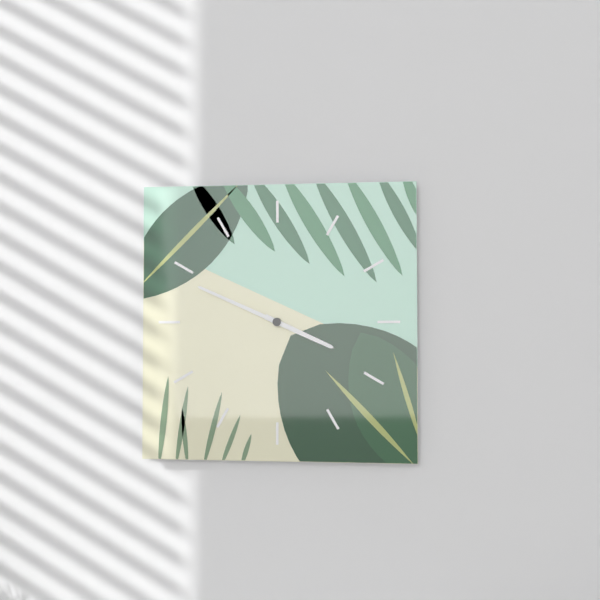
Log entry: 3h49
